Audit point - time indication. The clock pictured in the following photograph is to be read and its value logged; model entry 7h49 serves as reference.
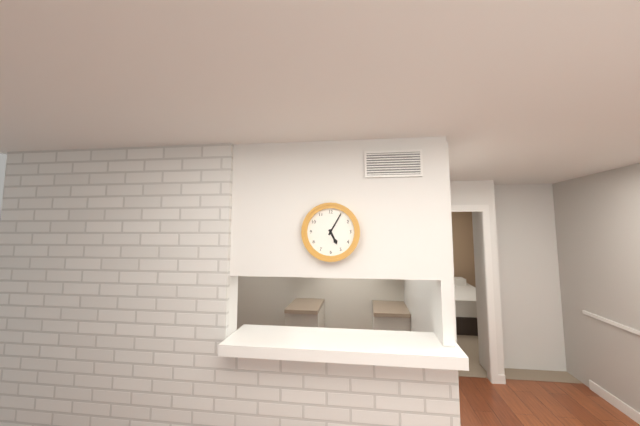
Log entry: 5h05
